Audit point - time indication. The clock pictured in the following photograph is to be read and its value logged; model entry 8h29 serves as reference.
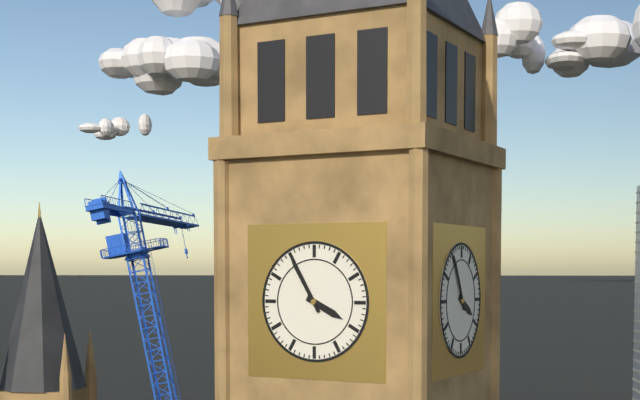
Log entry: 3h55
